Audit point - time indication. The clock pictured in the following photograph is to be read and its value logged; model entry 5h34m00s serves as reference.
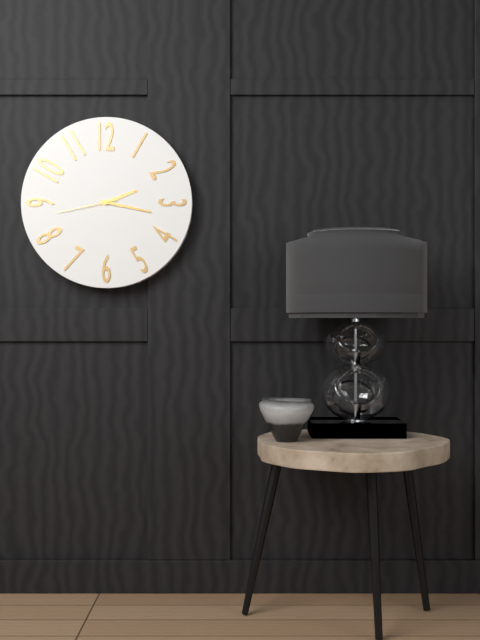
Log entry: 2h17m43s
